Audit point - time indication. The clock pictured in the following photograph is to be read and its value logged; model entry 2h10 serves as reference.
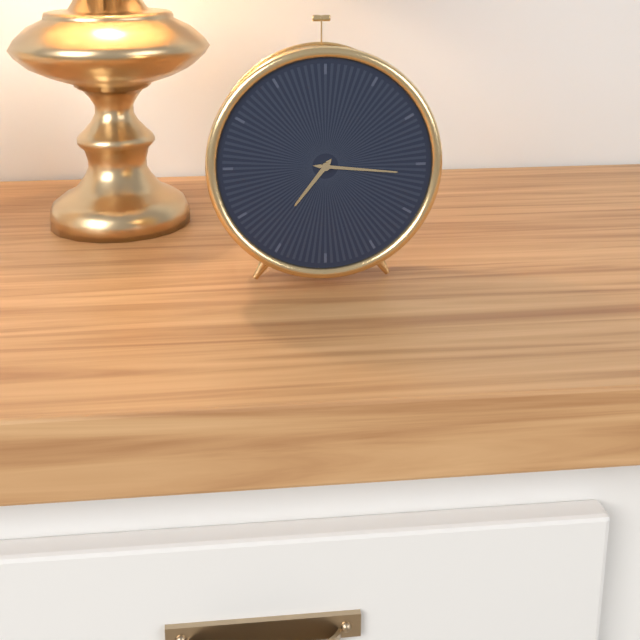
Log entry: 7h16
